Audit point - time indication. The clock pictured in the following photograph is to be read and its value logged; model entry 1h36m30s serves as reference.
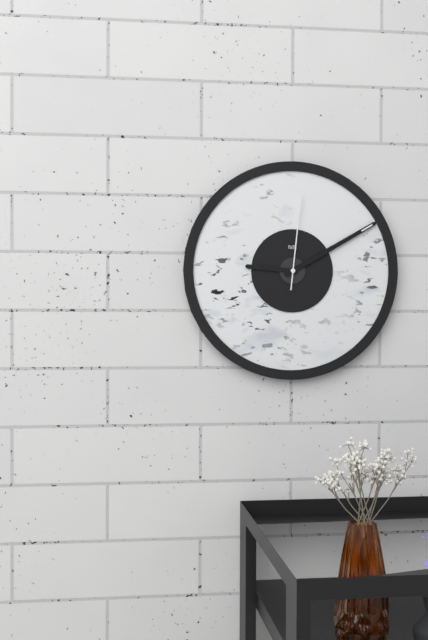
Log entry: 9h10m01s
